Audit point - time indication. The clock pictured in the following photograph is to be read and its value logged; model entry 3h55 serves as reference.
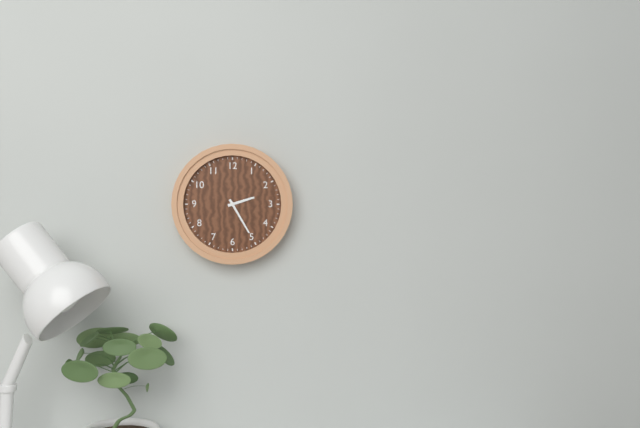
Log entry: 2h25
